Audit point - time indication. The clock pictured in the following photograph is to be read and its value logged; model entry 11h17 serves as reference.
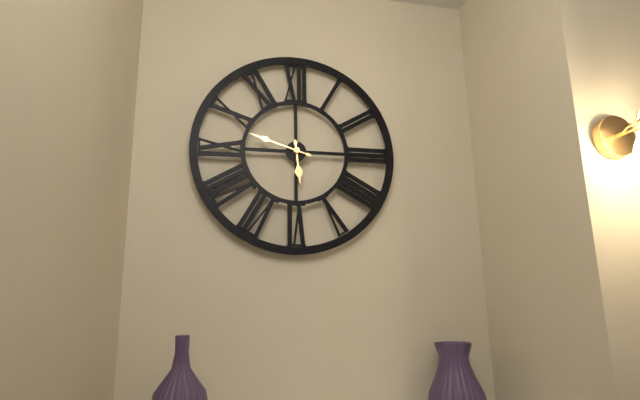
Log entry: 5h48
